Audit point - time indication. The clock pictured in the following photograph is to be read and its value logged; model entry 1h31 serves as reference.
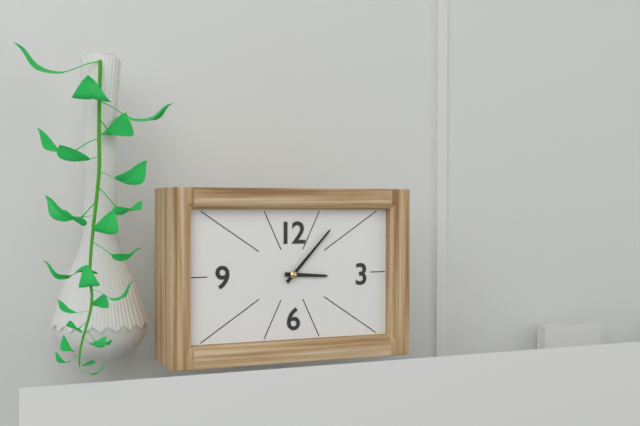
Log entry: 3h07
